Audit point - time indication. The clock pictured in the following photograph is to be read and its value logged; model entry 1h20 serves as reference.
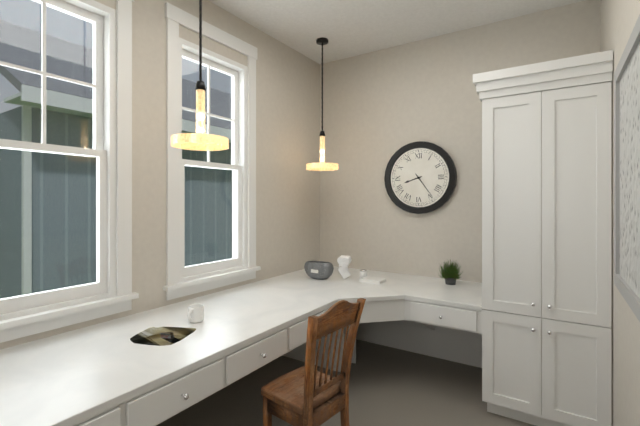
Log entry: 8h24
